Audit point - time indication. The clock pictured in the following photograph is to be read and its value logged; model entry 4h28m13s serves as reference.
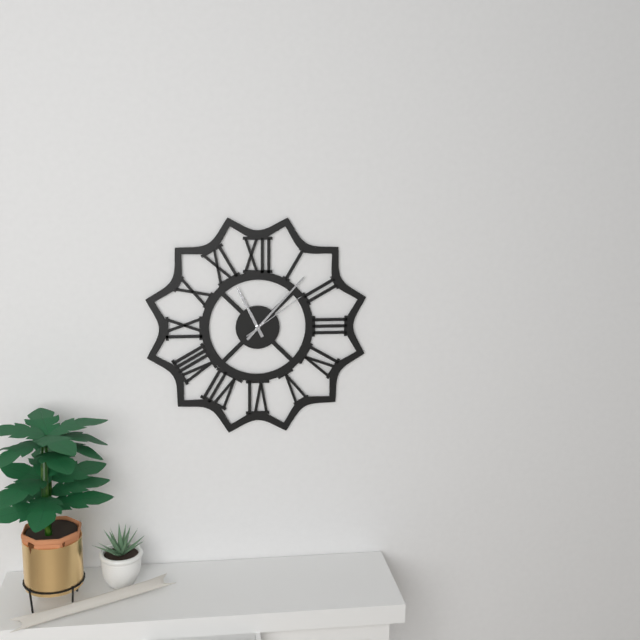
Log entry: 11h07m09s
